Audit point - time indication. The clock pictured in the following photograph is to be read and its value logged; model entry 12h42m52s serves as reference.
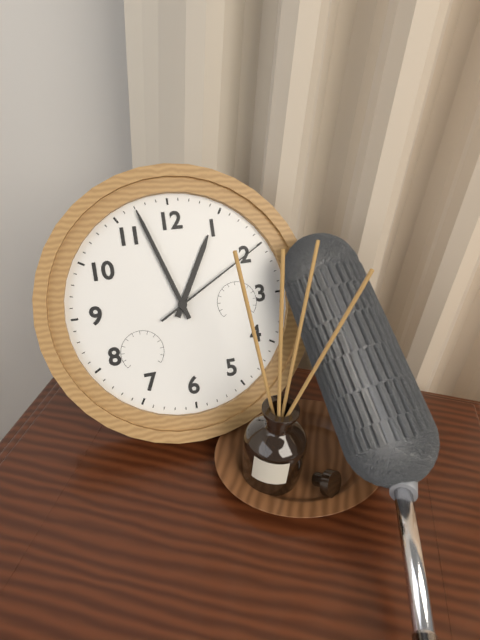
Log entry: 12h57m10s
